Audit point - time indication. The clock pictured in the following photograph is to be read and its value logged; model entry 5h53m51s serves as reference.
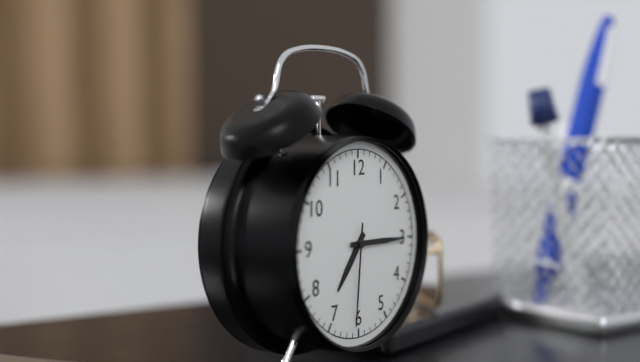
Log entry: 7h15m31s
